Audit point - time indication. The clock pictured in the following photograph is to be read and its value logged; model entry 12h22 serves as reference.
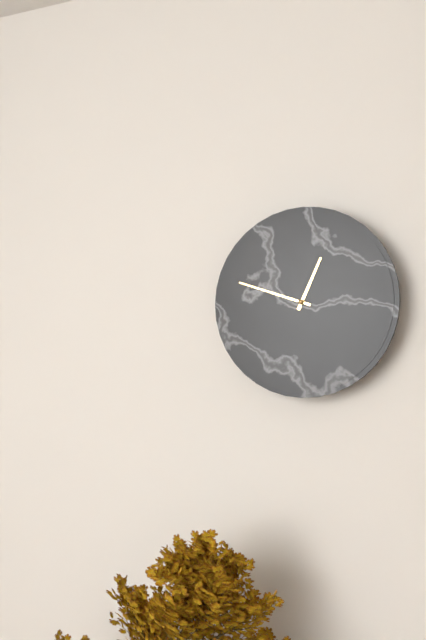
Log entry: 12h48
